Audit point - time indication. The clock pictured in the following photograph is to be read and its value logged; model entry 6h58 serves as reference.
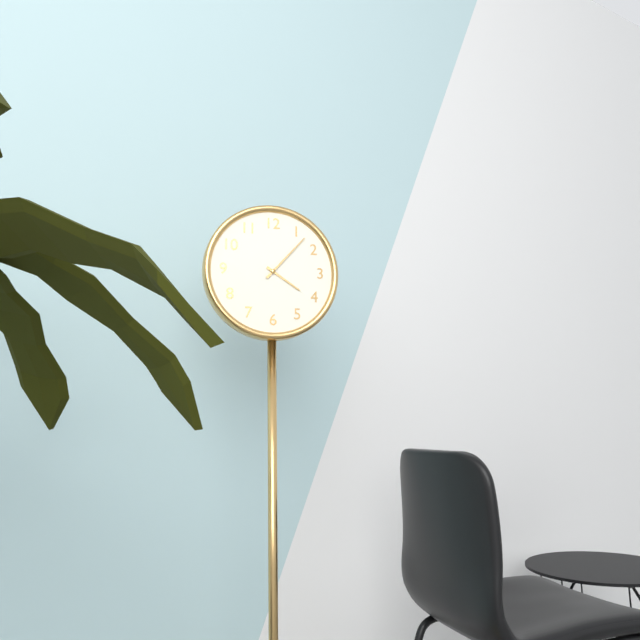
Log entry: 4h07
